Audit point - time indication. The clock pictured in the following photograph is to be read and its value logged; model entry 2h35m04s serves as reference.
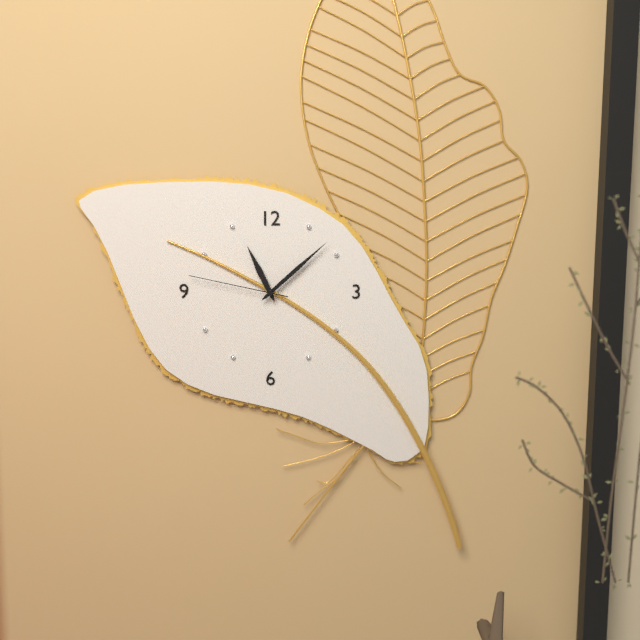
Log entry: 11h08m47s
